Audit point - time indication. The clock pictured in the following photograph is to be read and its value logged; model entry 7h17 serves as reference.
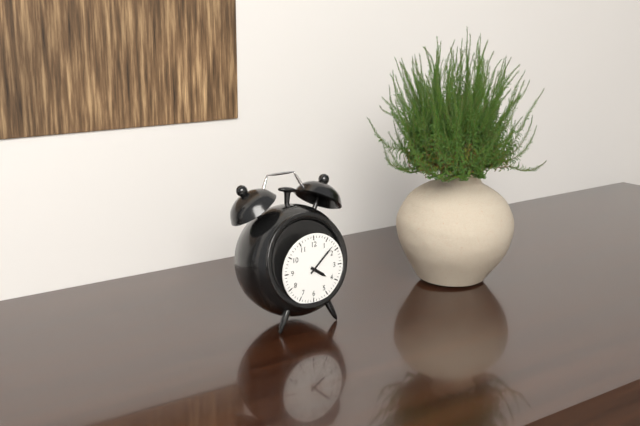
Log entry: 4h08
